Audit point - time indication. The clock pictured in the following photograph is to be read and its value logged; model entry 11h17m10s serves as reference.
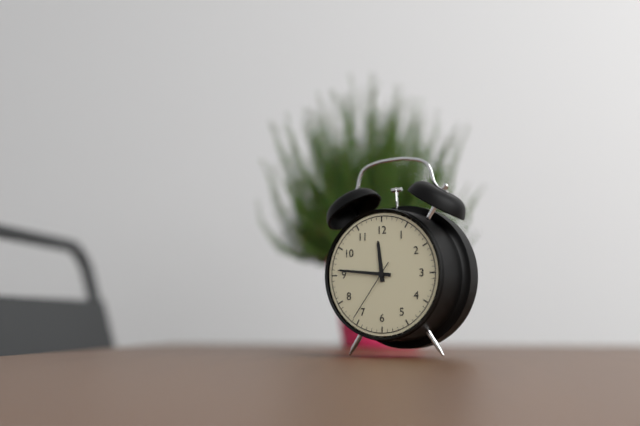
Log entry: 11h46m36s
